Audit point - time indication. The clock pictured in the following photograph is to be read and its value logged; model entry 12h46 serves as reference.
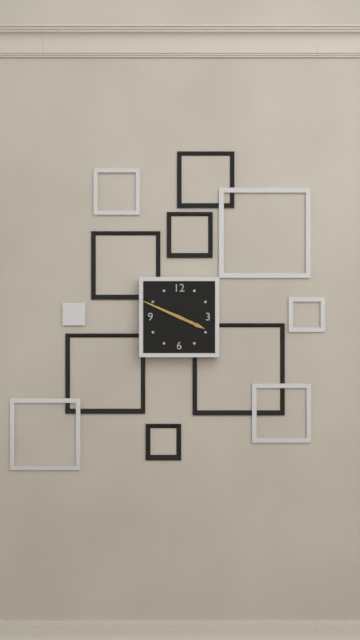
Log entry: 3h49
